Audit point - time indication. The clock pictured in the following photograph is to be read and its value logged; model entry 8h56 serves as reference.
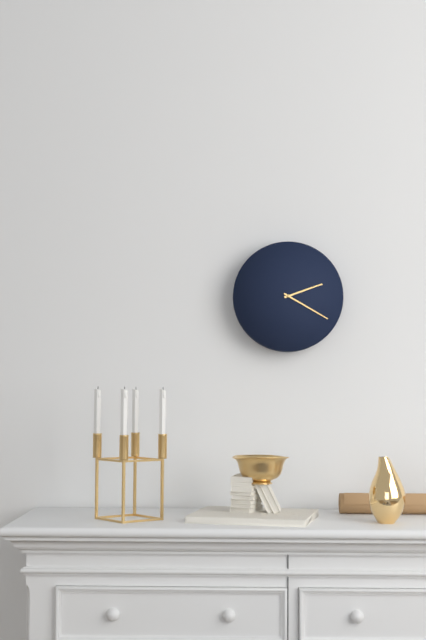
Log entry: 2h20
